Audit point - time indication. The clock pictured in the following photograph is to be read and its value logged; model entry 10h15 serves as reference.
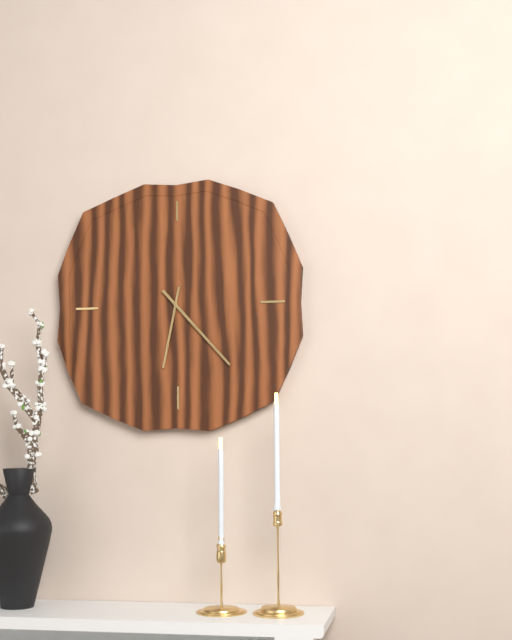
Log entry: 6h23
